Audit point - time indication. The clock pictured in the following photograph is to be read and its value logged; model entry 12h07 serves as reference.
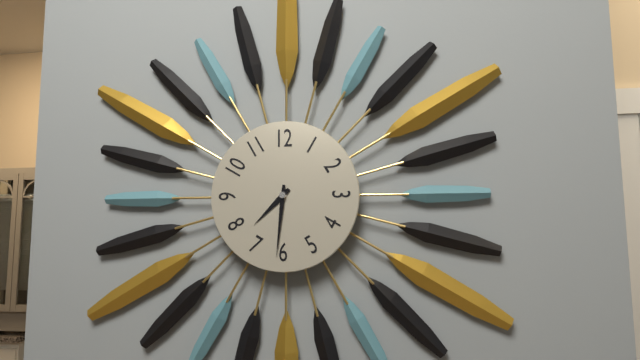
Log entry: 7h31
